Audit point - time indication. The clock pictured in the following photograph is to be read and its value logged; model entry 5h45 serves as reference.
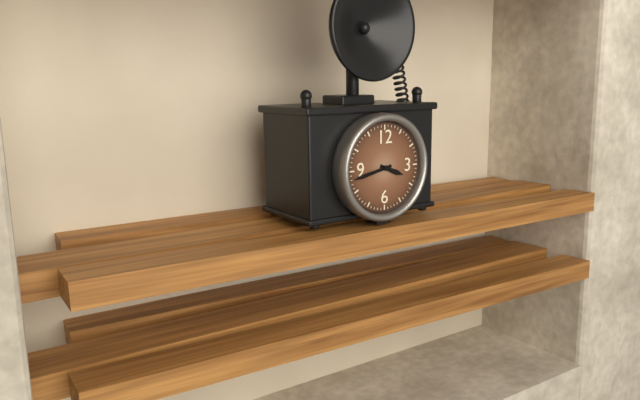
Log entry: 3h43
